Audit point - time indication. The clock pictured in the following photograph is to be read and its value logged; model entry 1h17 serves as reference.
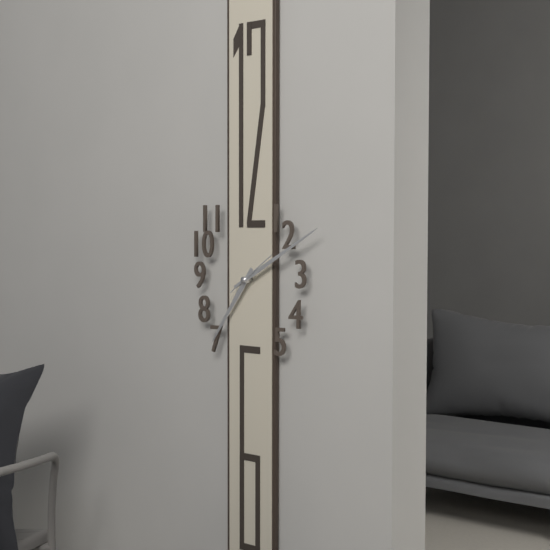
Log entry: 7h10
